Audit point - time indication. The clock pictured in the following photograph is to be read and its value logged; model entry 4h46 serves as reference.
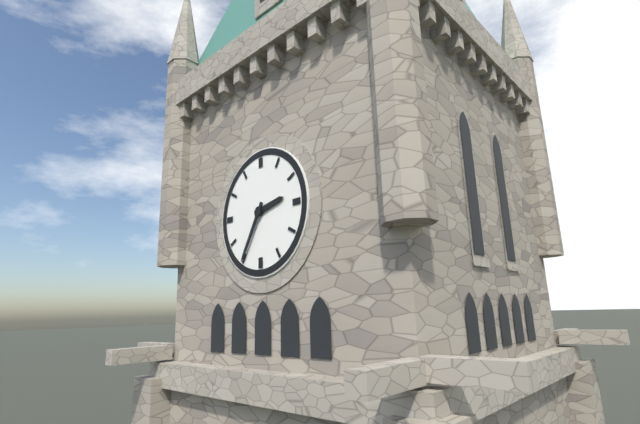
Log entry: 2h35
